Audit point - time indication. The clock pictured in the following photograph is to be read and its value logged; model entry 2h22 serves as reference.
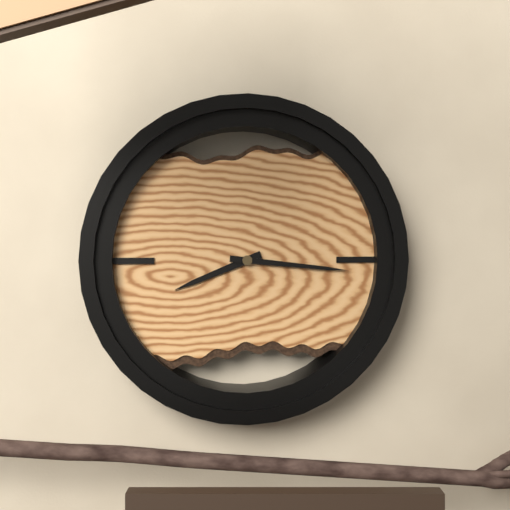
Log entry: 8h16
